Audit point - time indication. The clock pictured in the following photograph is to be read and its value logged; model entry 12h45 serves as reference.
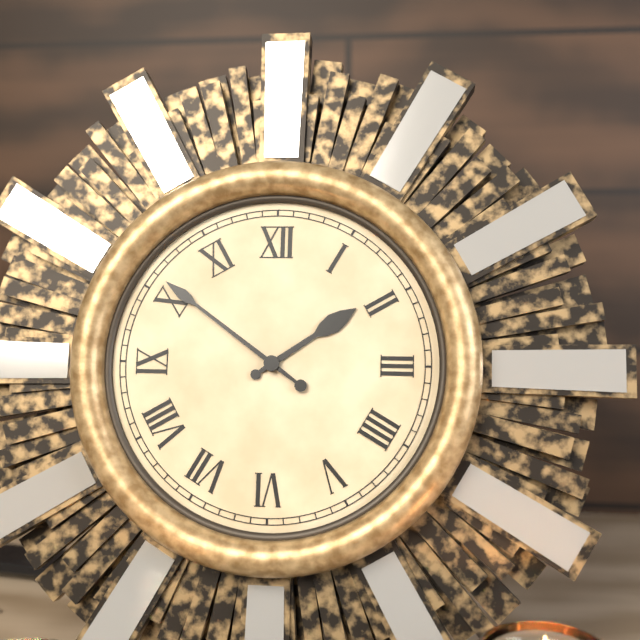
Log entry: 1h51
